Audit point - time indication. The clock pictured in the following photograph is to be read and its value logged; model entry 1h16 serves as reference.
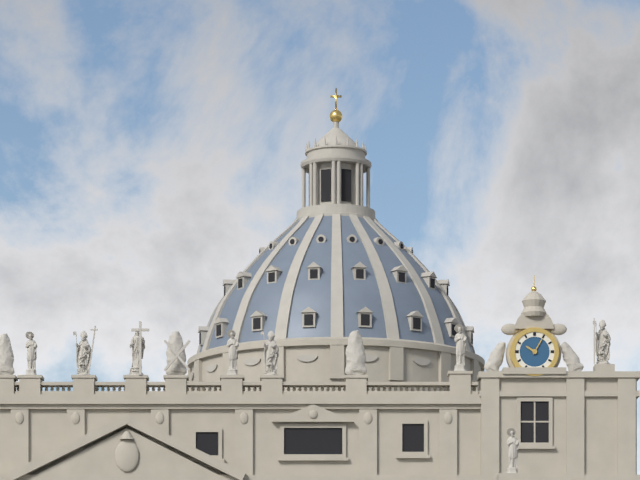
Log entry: 10h05
